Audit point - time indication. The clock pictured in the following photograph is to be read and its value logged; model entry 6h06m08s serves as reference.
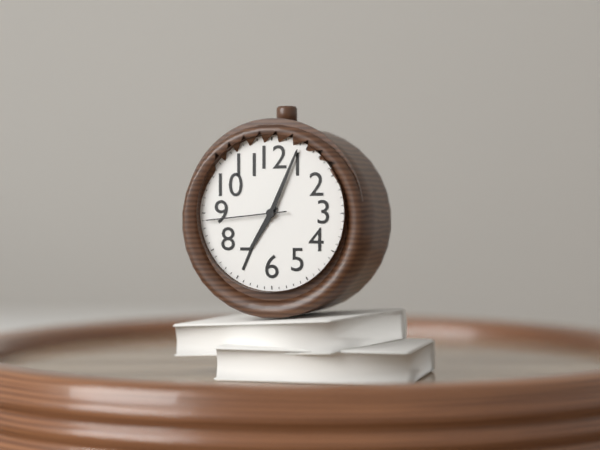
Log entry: 7h04m44s
